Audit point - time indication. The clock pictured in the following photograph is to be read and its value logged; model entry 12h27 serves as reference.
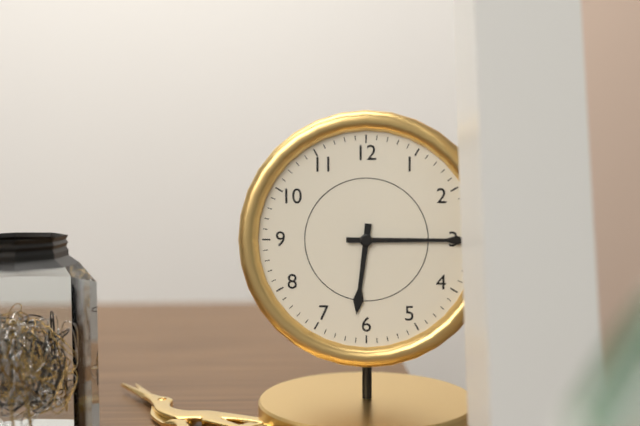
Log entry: 6h15
